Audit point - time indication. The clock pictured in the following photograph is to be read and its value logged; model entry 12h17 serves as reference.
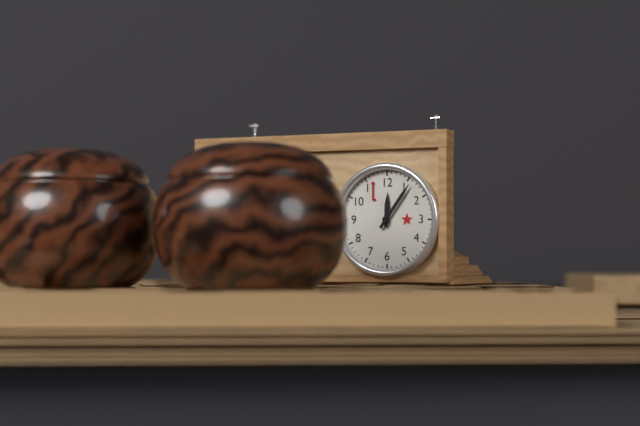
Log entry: 12h06
